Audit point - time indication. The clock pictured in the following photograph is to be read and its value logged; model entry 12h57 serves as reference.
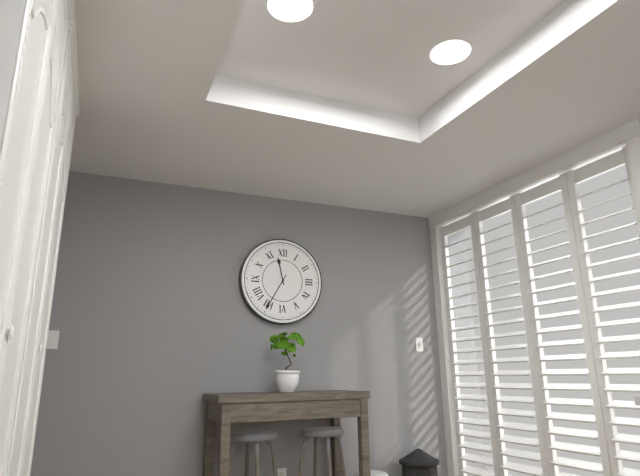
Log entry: 11h35
